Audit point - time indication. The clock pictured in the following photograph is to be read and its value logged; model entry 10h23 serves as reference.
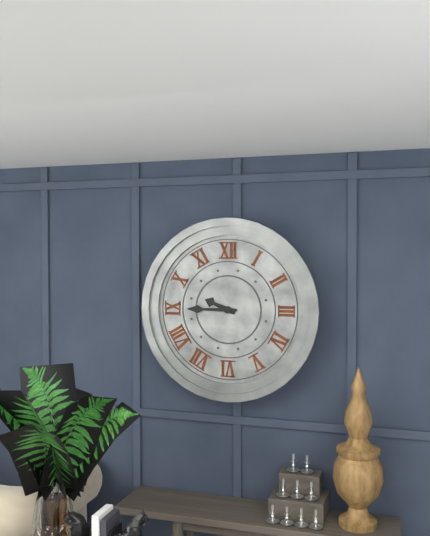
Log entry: 9h45
